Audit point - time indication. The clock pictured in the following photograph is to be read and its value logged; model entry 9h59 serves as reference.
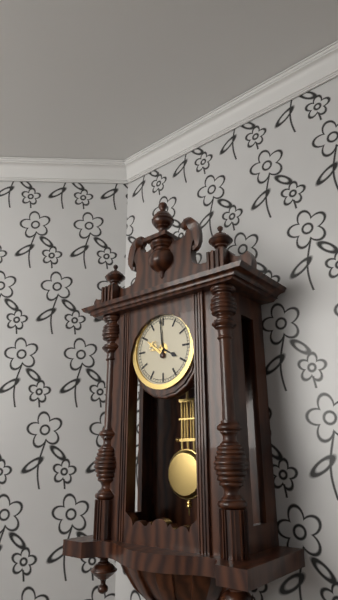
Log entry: 3h59
